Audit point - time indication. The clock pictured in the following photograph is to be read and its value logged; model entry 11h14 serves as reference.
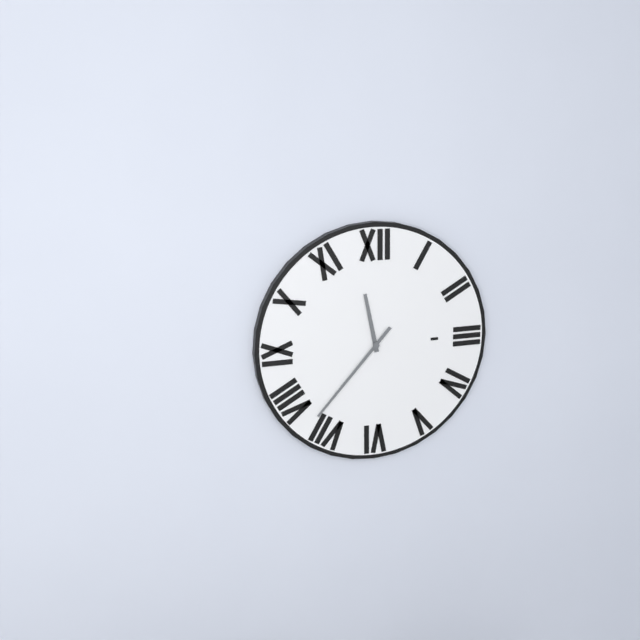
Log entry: 11h37
